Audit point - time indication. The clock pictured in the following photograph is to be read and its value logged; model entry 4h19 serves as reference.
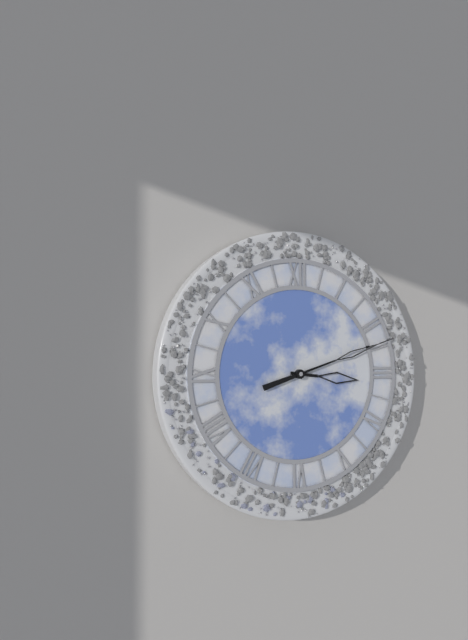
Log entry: 3h12
